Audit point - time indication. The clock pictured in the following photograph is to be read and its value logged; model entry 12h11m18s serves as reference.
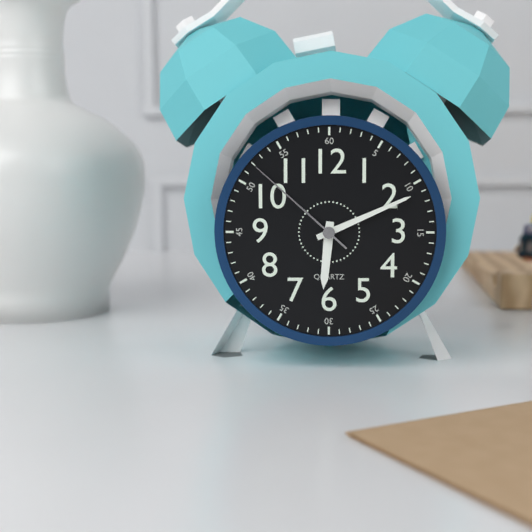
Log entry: 6h11m52s
